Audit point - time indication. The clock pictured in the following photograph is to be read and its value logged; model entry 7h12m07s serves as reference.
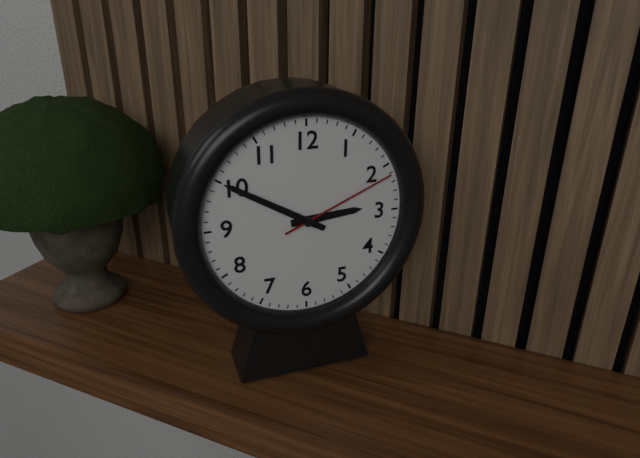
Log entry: 2h50m11s
